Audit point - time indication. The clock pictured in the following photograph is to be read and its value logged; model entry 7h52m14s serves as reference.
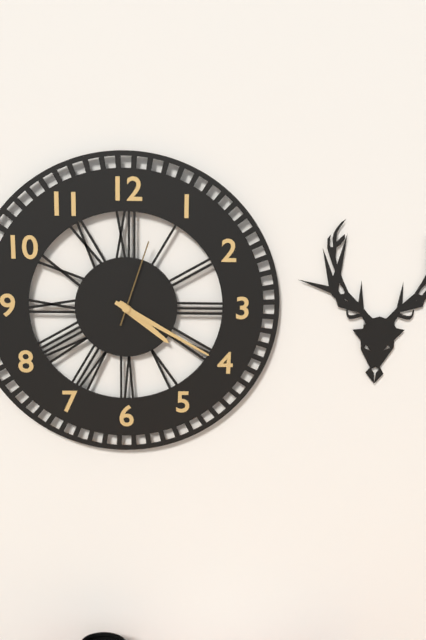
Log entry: 4h20m03s
